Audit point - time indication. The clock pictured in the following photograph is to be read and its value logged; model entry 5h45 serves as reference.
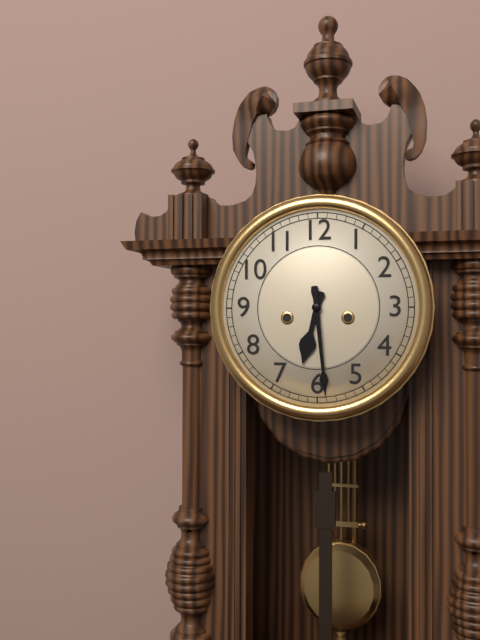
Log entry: 6h29
